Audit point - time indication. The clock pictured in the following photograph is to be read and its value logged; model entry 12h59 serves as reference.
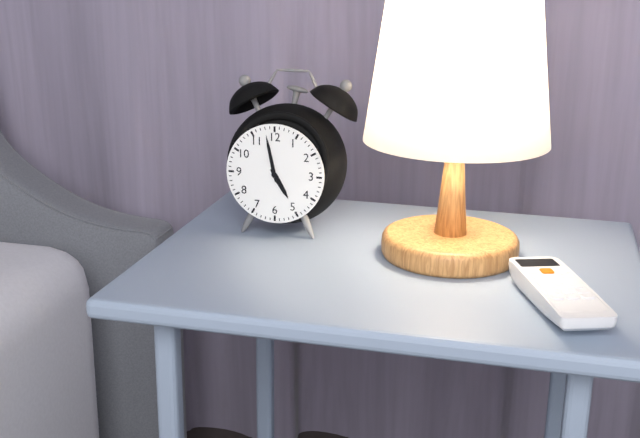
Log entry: 4h58
